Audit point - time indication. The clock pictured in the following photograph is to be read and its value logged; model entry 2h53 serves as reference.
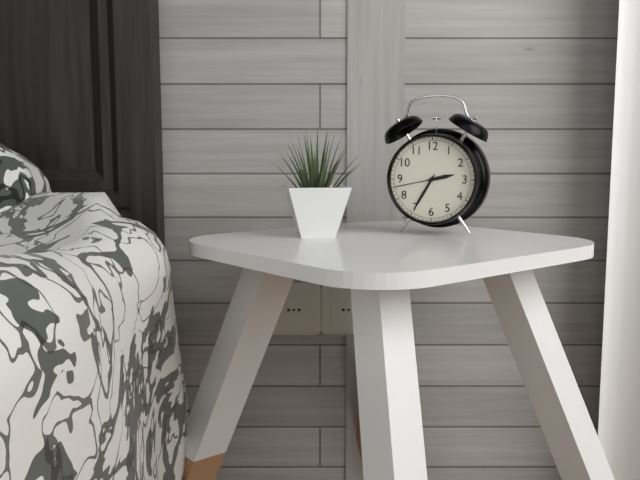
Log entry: 2h35
